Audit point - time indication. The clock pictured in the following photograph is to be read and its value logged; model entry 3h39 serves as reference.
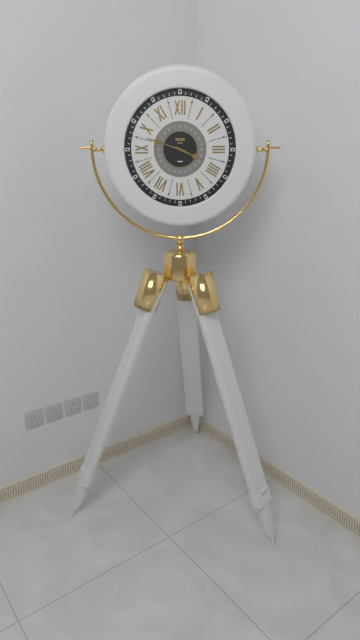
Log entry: 3h48
